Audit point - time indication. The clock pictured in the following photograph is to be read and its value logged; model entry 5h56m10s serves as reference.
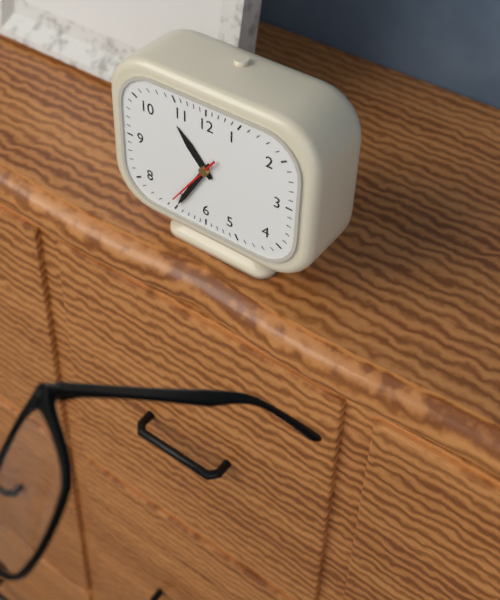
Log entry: 10h35m36s
